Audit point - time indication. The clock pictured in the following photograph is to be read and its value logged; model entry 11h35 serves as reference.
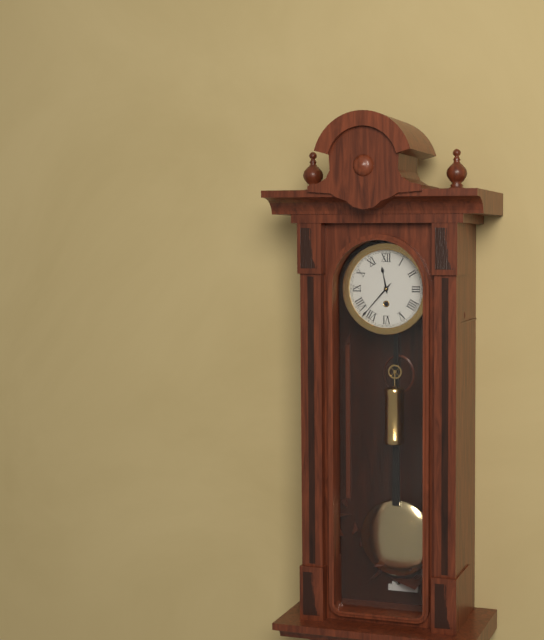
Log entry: 11h37
